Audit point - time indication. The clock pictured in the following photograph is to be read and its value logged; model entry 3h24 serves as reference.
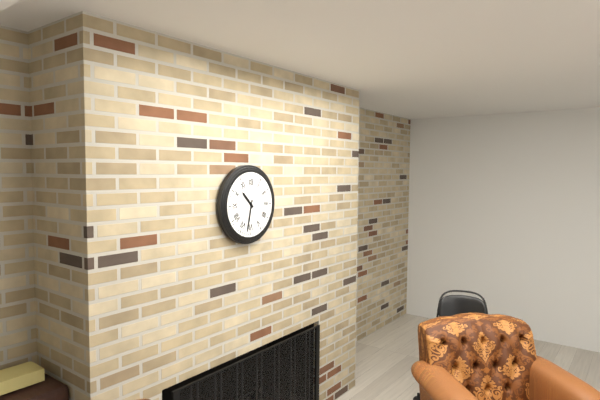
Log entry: 10h32
